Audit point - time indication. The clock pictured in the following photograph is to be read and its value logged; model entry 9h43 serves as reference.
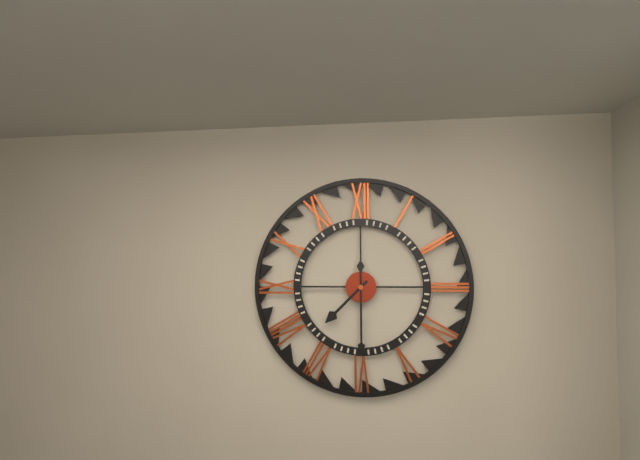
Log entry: 7h30
